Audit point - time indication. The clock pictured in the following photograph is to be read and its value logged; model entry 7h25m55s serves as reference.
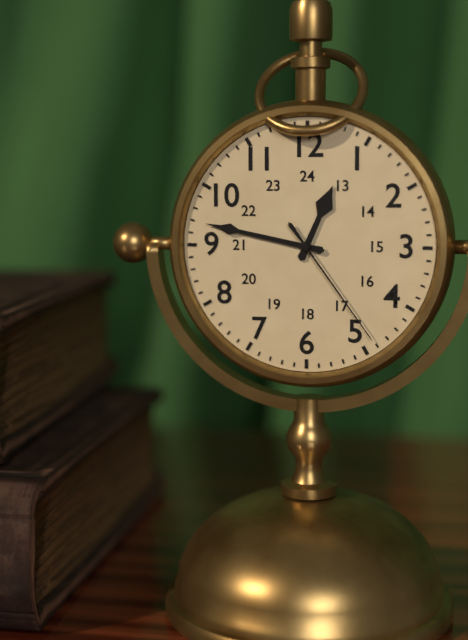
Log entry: 12h47m24s
